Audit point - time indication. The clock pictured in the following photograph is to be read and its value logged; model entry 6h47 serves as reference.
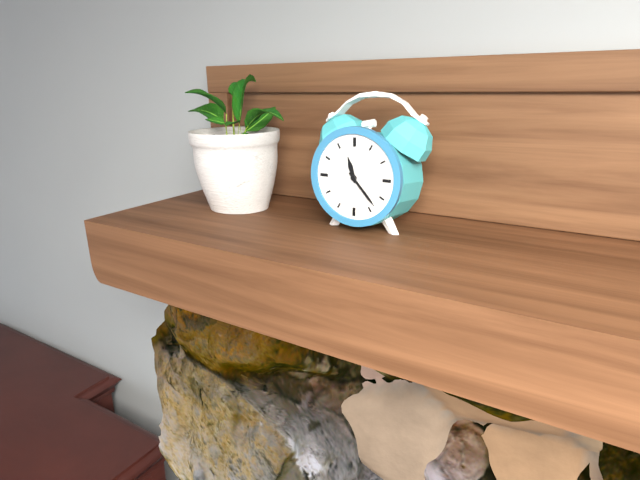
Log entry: 11h23
